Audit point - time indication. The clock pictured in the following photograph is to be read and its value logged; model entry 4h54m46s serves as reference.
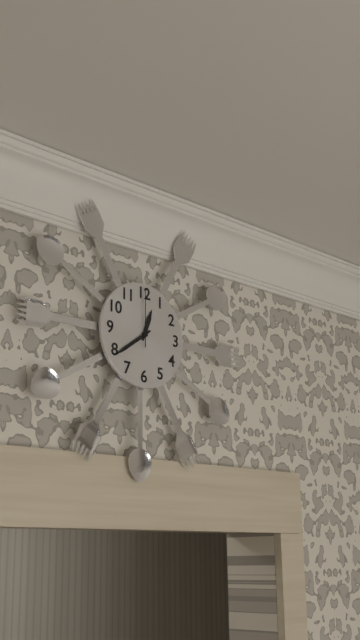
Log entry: 12h39m00s
